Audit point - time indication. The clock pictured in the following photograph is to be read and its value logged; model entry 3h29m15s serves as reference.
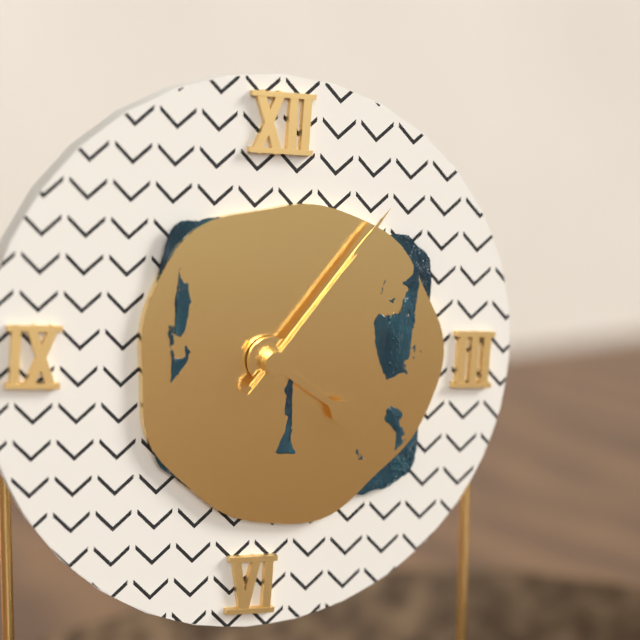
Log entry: 4h06m06s
